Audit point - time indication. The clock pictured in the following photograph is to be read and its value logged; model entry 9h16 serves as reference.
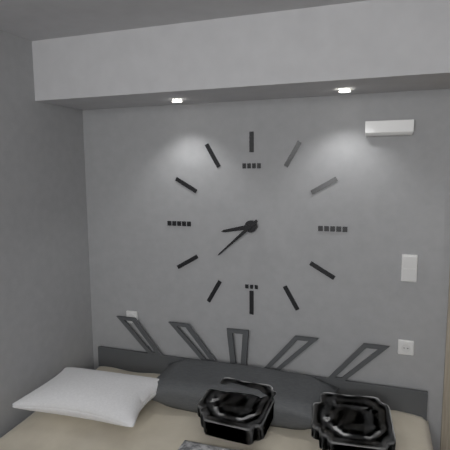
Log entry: 8h38
